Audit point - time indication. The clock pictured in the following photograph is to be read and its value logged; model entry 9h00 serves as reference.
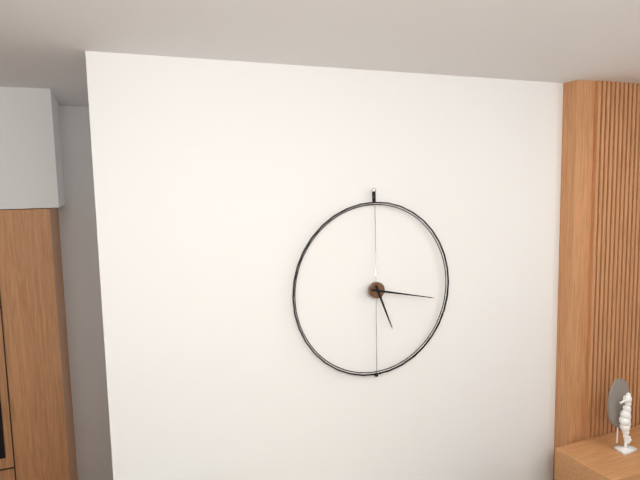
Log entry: 5h17
